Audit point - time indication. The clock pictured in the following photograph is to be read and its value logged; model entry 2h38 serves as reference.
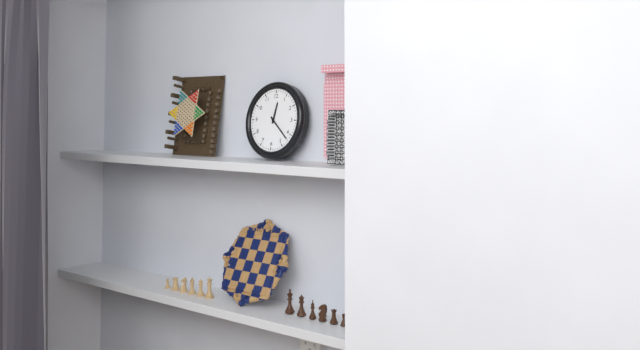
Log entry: 12h22
